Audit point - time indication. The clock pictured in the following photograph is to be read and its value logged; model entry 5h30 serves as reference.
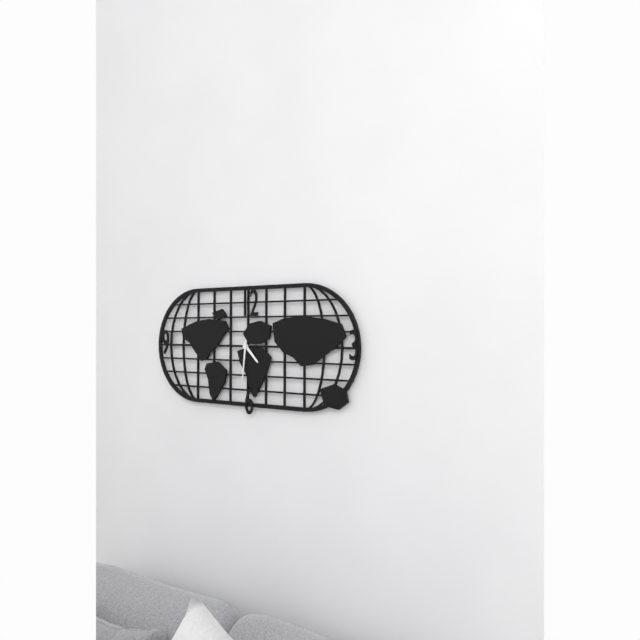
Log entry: 4h31
